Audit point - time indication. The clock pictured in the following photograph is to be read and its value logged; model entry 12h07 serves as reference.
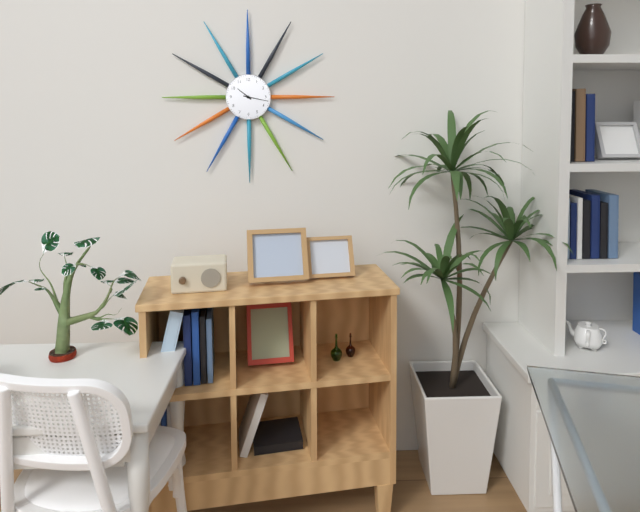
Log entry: 10h17
